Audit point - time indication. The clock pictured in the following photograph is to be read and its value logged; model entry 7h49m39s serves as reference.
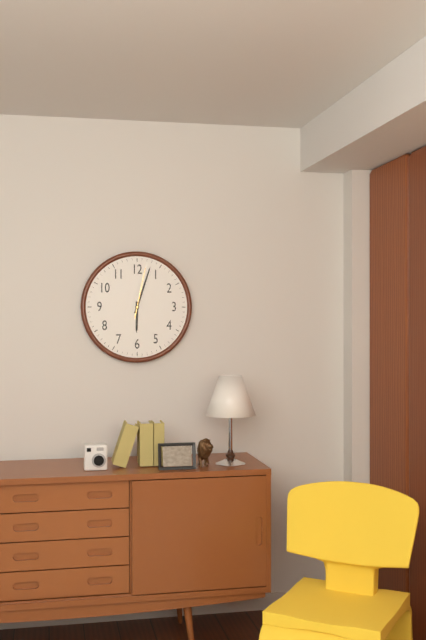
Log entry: 6h03m02s
